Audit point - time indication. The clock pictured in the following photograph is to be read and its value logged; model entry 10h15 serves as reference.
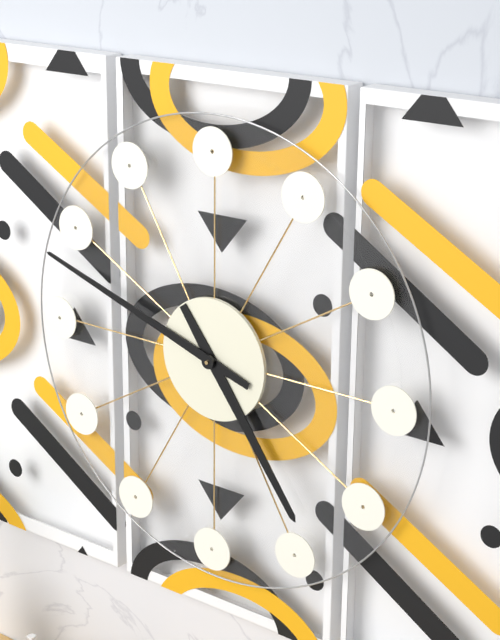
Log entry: 4h48
